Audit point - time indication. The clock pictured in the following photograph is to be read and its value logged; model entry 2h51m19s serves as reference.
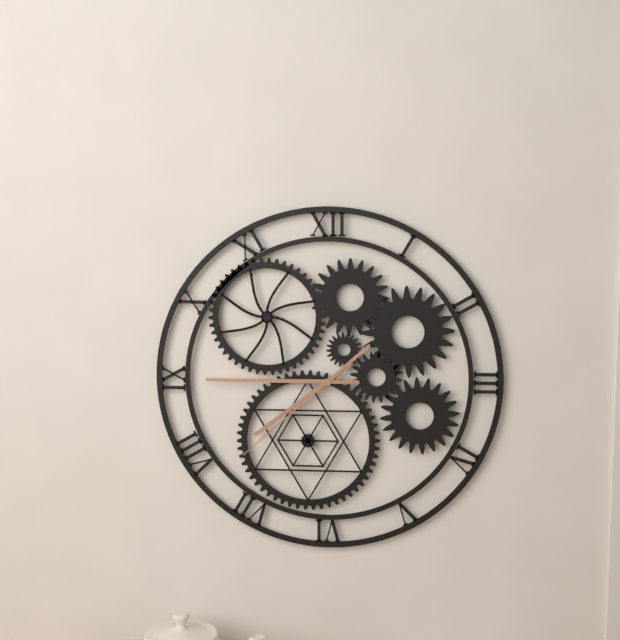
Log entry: 7h45m38s
